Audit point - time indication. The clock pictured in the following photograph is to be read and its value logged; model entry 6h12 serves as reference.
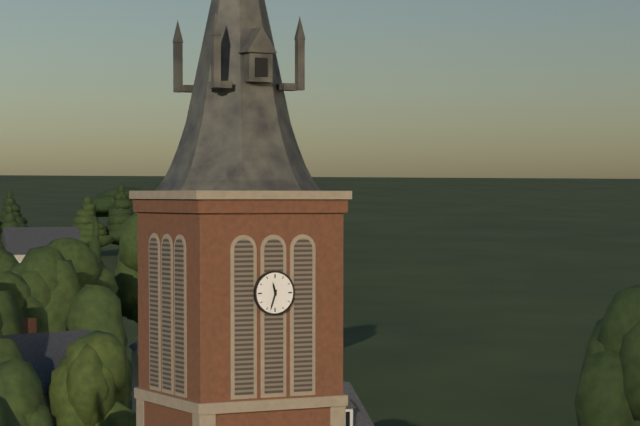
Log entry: 11h33
